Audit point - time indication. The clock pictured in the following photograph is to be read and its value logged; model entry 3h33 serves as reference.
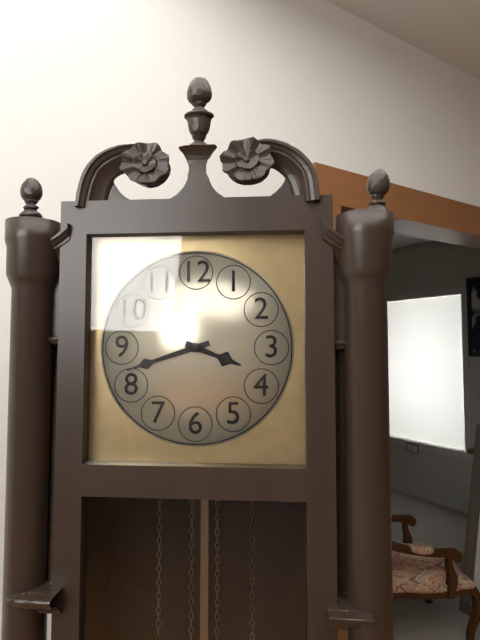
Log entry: 3h42
